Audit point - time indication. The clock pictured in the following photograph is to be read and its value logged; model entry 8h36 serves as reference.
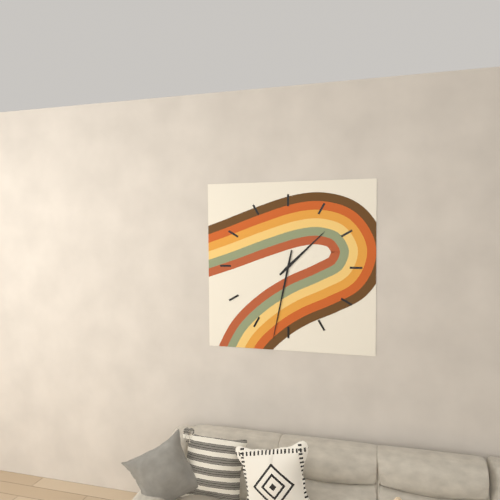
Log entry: 1h32
